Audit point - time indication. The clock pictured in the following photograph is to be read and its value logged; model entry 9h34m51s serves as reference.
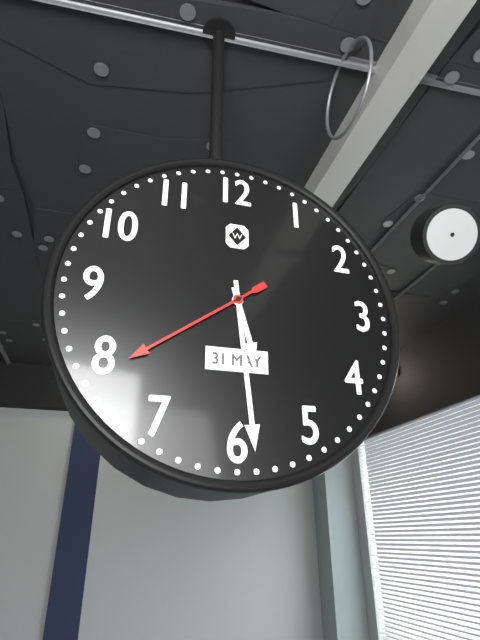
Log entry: 5h29m39s
